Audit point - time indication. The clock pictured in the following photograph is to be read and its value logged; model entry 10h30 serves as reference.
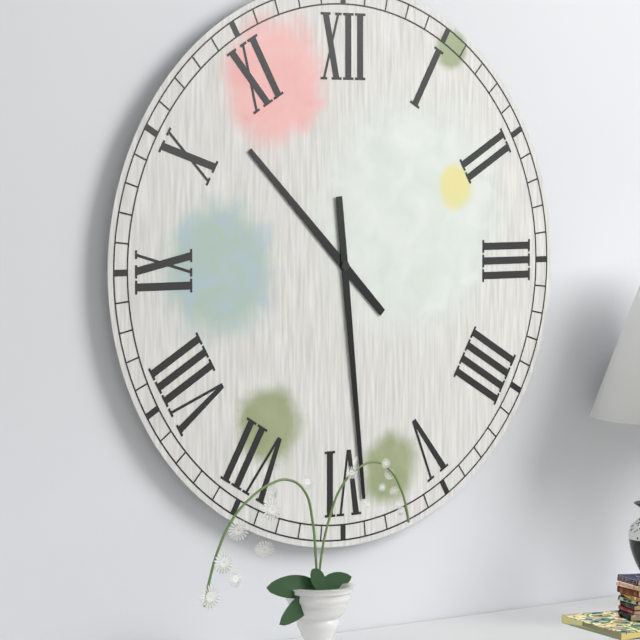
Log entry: 10h29
